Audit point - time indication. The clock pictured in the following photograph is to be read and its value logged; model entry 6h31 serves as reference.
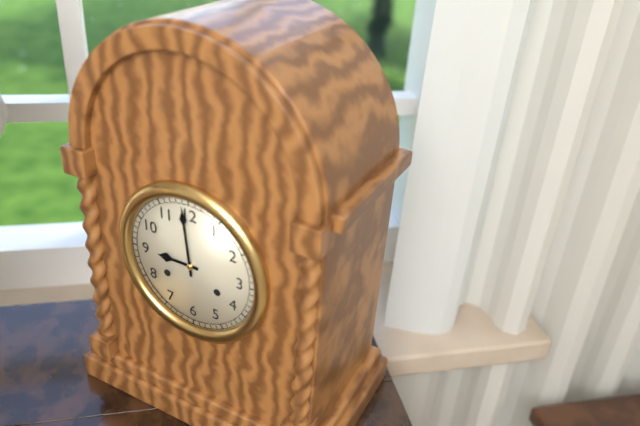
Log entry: 8h59
